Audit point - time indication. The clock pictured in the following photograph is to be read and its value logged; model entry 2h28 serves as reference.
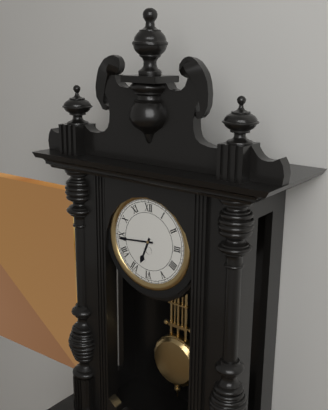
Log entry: 6h44
